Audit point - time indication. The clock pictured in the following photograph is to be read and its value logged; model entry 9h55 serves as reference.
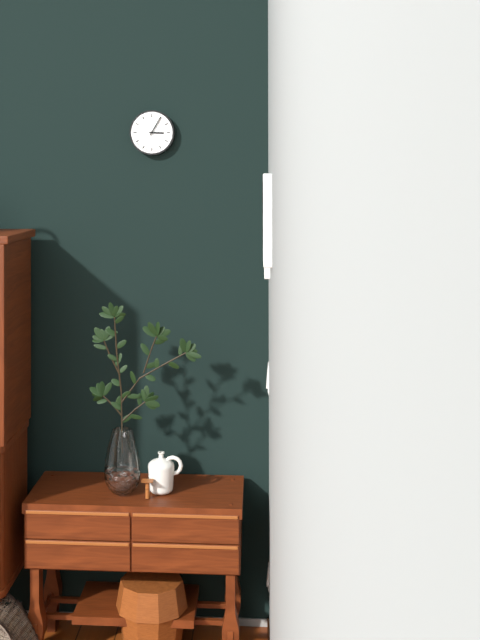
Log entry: 3h05
